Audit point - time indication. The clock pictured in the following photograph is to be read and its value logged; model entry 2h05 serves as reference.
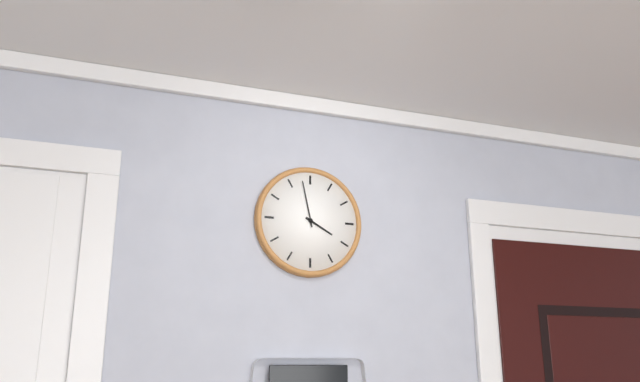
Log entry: 3h58
